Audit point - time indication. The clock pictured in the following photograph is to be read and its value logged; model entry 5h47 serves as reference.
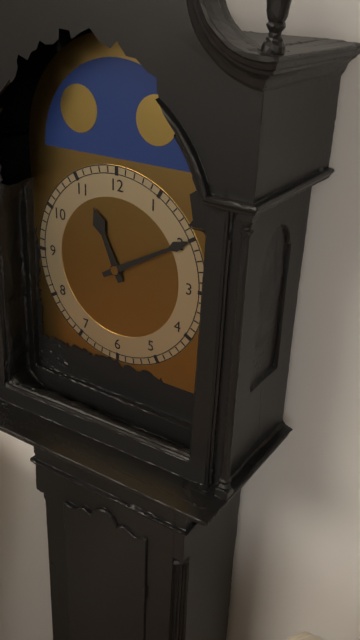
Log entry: 11h10
